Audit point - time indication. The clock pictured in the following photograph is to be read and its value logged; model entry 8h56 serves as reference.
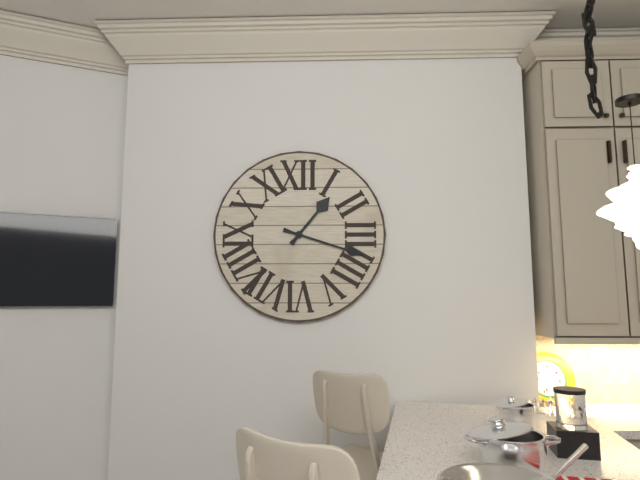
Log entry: 1h18
